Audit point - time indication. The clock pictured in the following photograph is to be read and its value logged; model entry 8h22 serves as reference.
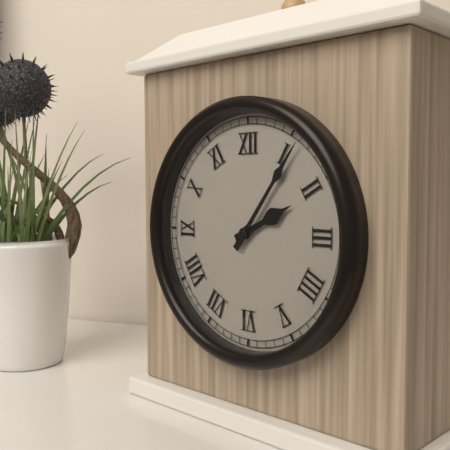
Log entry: 2h06
